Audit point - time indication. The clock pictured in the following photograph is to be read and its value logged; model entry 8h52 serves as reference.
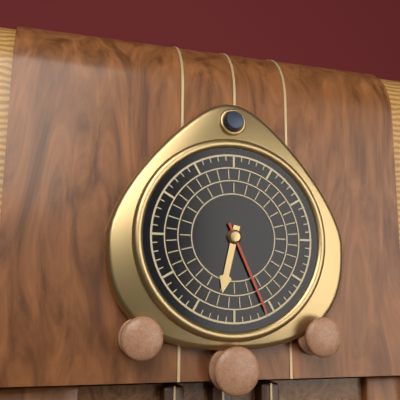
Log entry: 6h26
